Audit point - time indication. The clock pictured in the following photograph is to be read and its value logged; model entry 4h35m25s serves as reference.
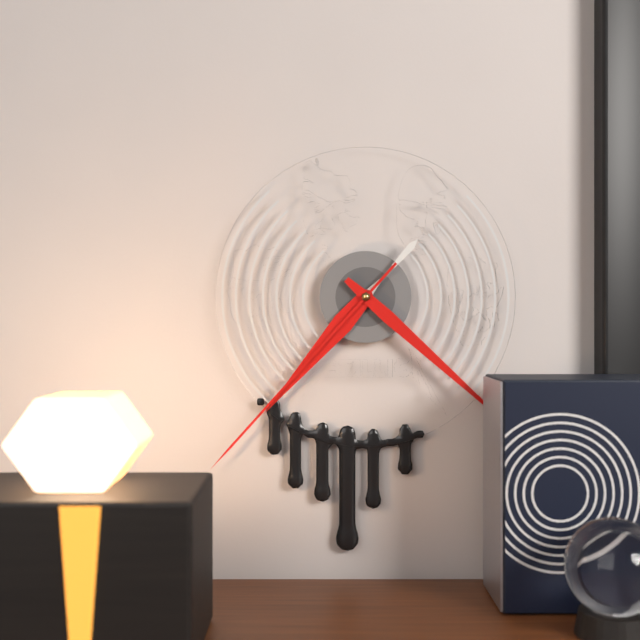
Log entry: 7h22m37s
